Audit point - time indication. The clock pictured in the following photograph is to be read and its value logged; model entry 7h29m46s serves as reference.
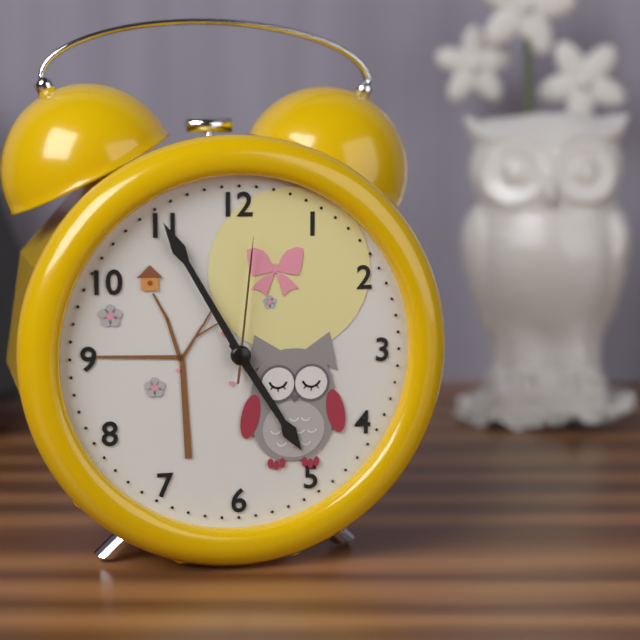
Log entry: 4h55m01s
